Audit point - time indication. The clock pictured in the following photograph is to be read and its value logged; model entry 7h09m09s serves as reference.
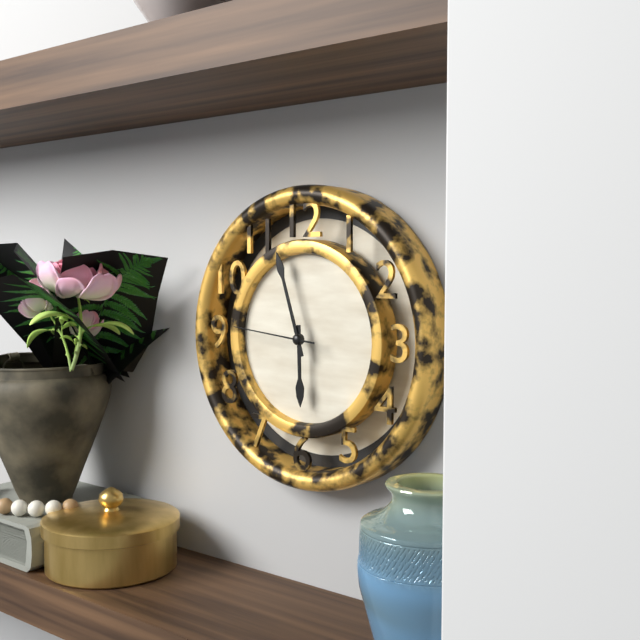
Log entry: 5h57m46s
